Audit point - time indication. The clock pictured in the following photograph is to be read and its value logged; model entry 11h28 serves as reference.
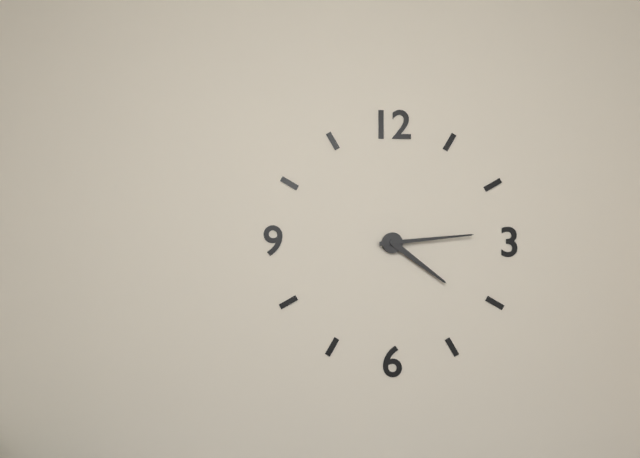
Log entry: 4h14
